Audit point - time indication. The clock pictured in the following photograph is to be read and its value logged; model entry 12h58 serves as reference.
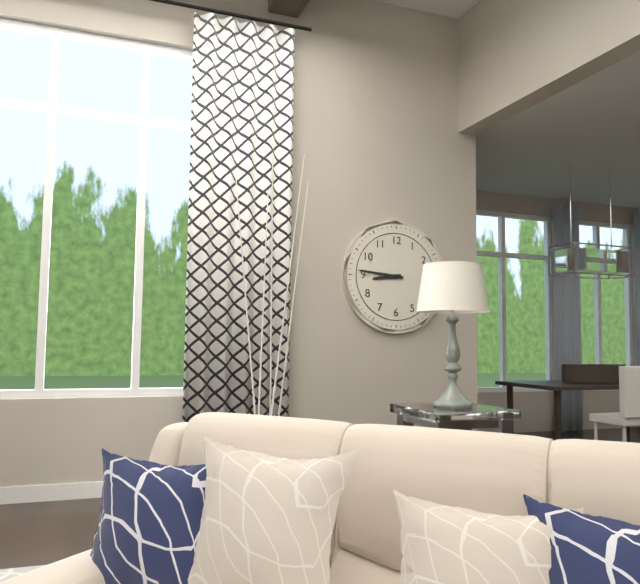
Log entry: 8h46
